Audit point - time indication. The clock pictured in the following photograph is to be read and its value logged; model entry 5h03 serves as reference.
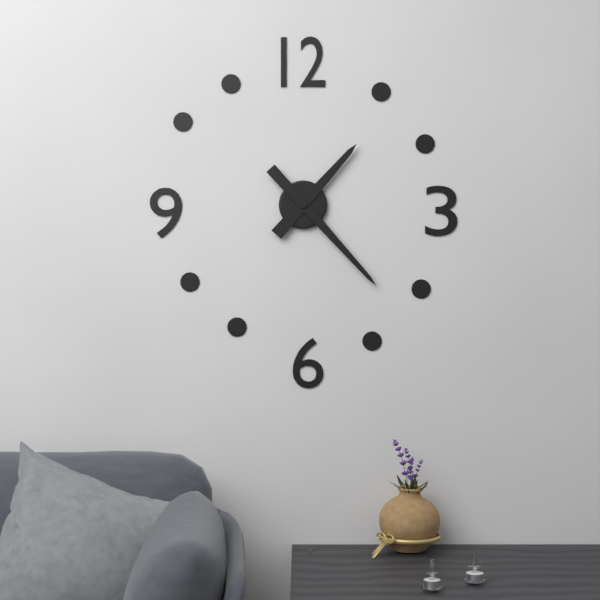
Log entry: 1h23
